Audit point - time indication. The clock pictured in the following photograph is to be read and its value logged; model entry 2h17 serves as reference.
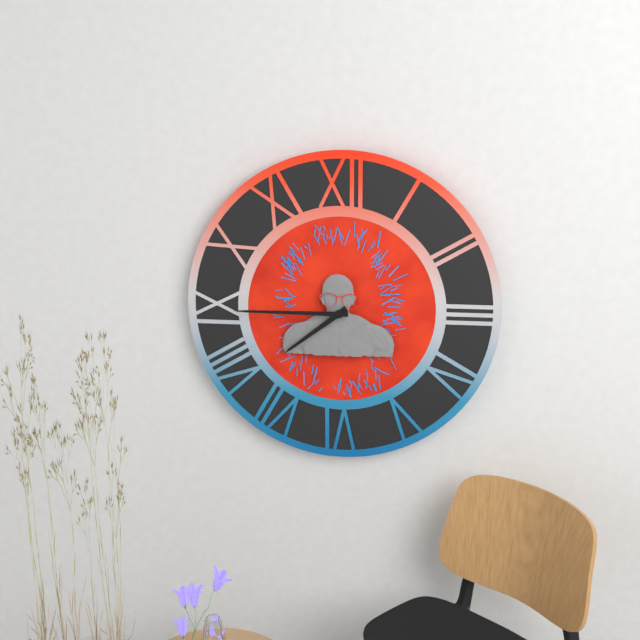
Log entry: 7h45
